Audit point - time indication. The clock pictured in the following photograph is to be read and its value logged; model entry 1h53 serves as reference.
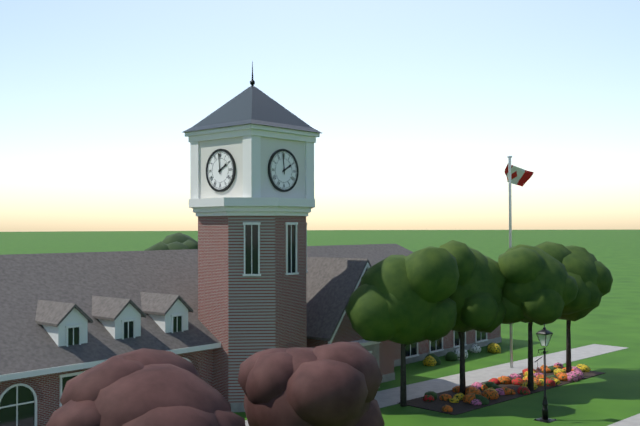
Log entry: 1h59
